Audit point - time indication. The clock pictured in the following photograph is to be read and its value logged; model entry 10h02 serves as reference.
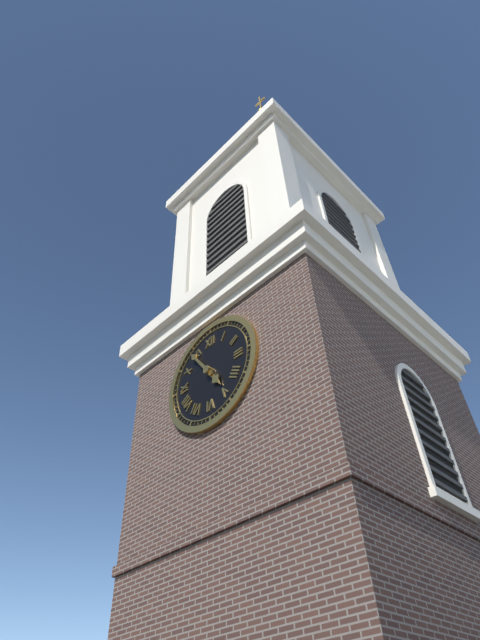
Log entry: 4h54
